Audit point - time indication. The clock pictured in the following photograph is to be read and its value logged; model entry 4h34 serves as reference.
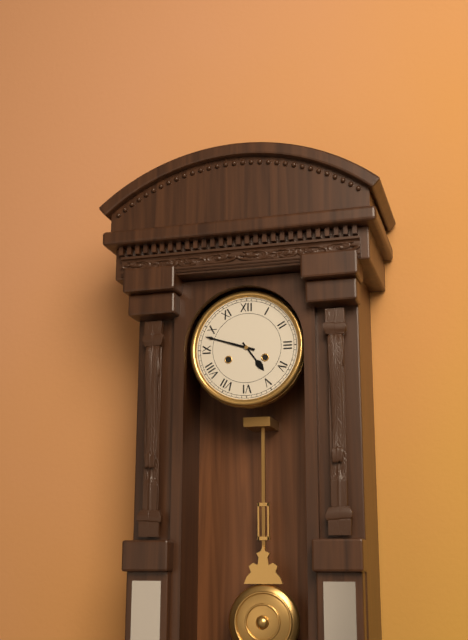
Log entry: 4h48
